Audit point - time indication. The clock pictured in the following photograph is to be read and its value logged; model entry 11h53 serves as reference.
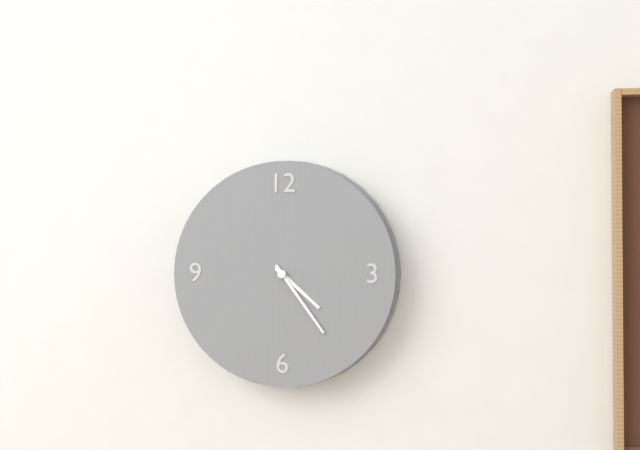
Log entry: 4h24
